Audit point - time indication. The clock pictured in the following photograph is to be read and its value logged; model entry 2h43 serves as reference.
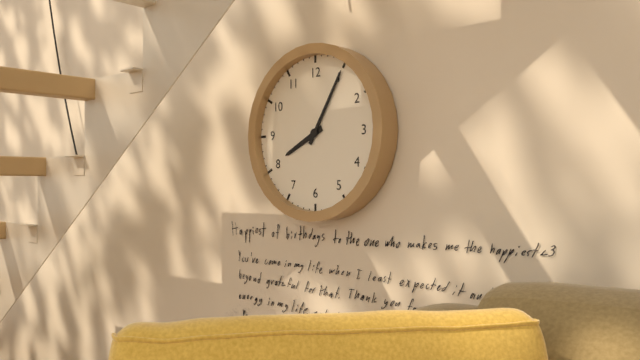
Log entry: 8h05
